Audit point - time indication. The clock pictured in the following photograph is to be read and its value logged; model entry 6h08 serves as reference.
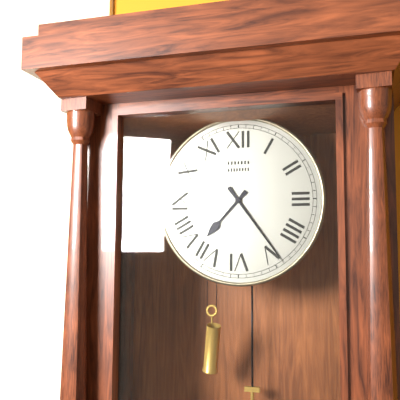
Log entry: 7h24
